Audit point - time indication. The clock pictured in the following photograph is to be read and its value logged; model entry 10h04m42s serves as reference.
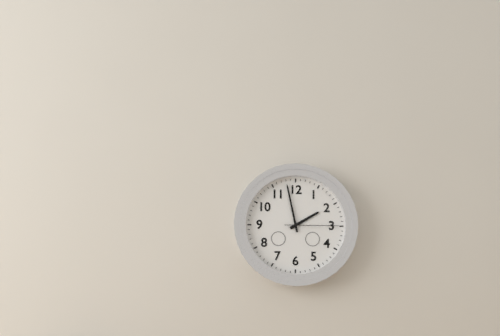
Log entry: 1h58m15s
